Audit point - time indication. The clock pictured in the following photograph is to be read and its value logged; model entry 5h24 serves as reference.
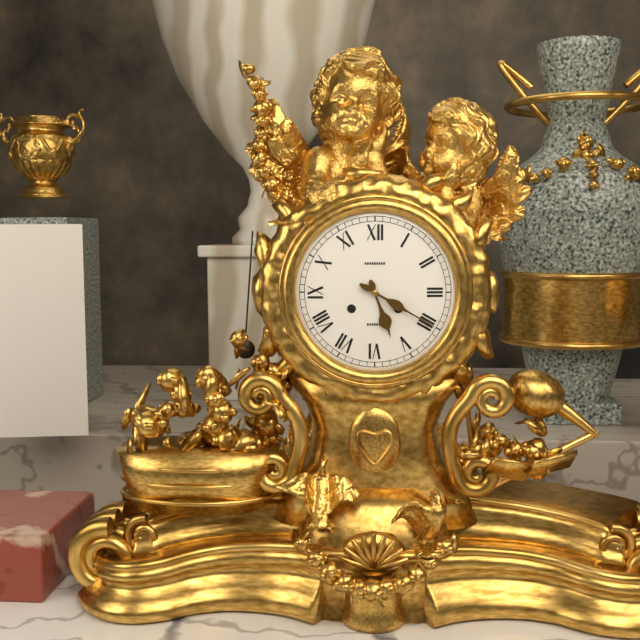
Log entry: 5h20
